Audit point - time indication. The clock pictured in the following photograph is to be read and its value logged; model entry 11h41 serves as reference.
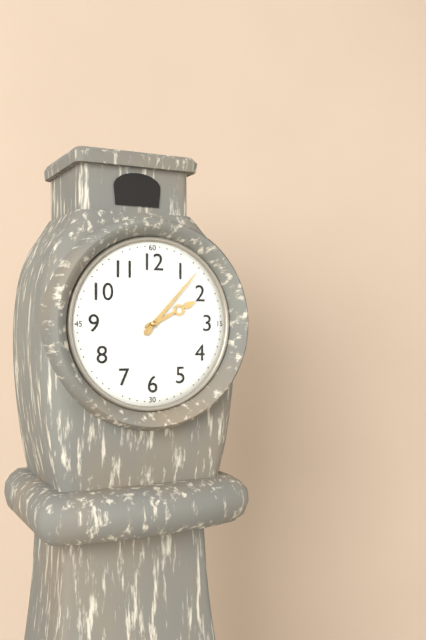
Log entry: 2h07
